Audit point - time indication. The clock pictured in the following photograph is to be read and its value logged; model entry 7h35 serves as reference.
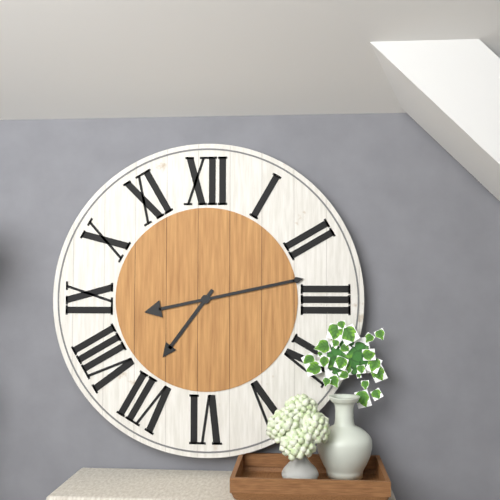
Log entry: 7h13
